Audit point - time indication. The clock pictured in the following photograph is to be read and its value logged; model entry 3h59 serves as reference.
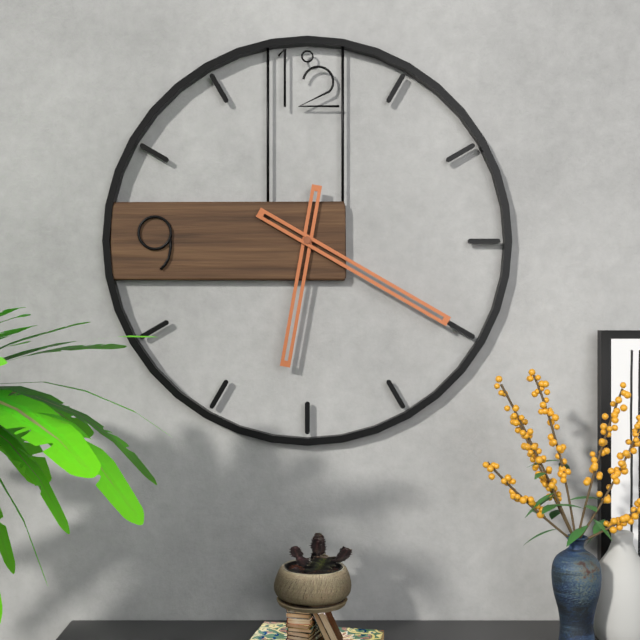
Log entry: 6h20
